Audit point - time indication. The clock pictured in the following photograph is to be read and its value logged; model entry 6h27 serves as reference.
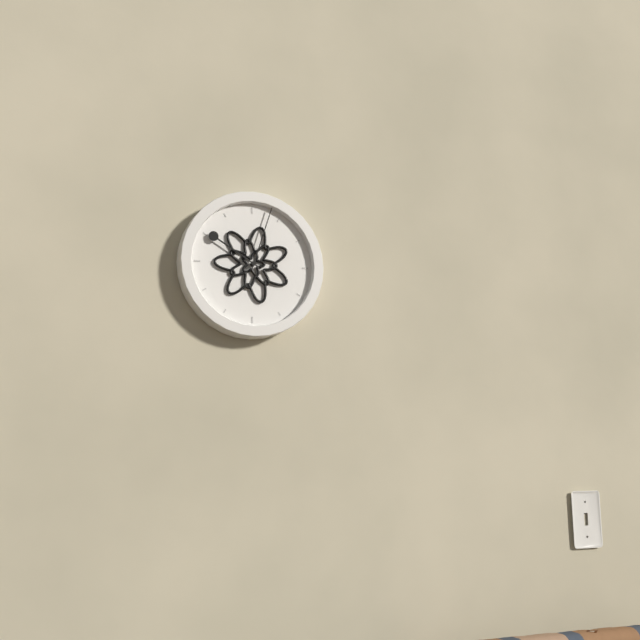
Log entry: 10h03
